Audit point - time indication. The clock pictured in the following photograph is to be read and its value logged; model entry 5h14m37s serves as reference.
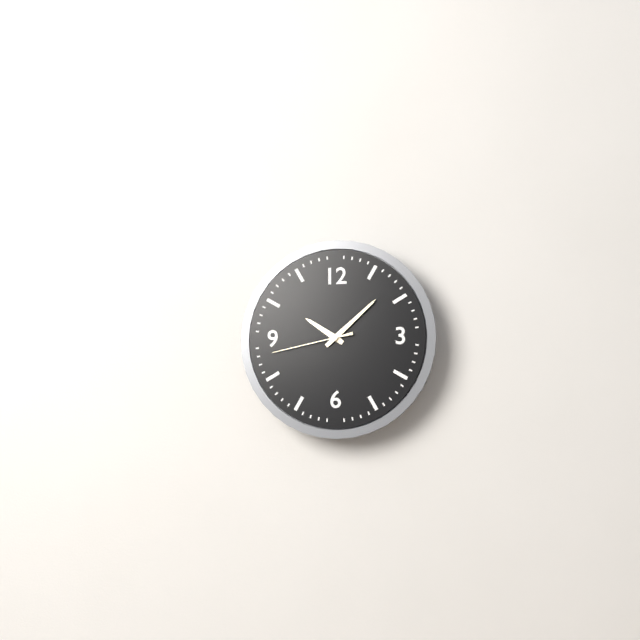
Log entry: 10h08m43s
